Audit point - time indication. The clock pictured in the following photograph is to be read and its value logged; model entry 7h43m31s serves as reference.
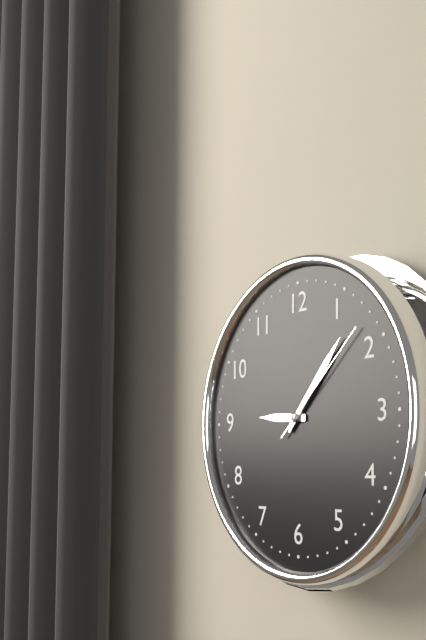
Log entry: 9h07m08s
